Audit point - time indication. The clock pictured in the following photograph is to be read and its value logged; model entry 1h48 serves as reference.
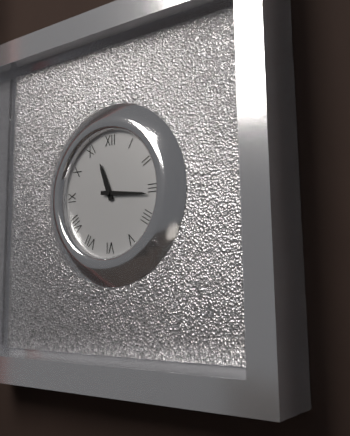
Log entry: 11h16
